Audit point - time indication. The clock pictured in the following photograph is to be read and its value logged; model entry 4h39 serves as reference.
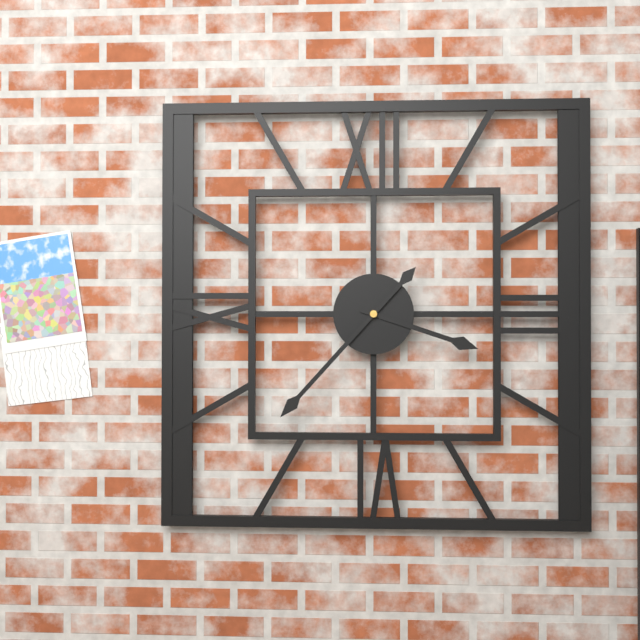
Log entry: 3h37
